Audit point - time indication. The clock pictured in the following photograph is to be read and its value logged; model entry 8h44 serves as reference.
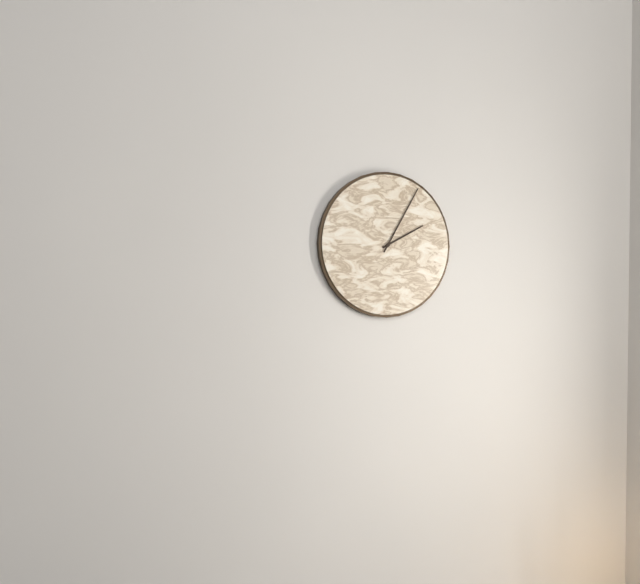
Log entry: 2h05
